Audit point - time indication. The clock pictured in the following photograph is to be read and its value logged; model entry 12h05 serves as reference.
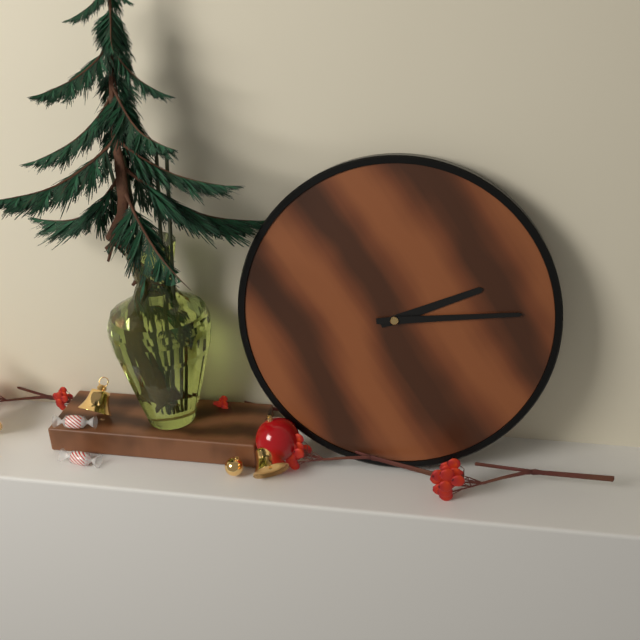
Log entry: 2h14
